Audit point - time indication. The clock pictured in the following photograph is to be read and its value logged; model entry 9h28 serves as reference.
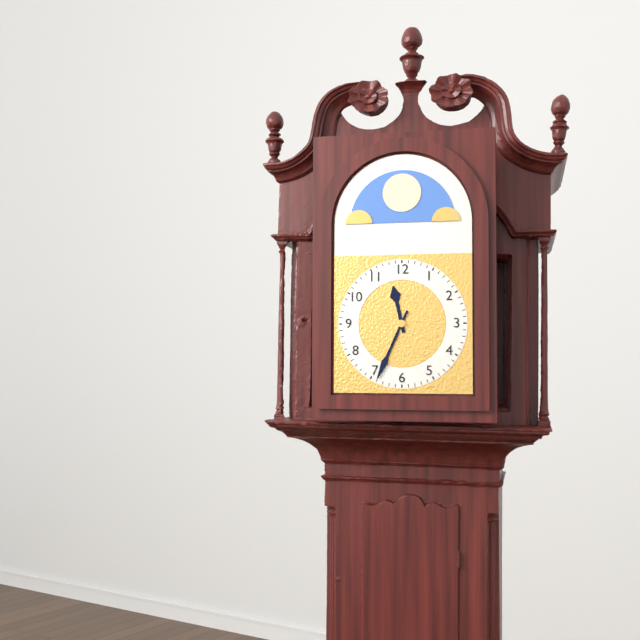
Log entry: 11h34
